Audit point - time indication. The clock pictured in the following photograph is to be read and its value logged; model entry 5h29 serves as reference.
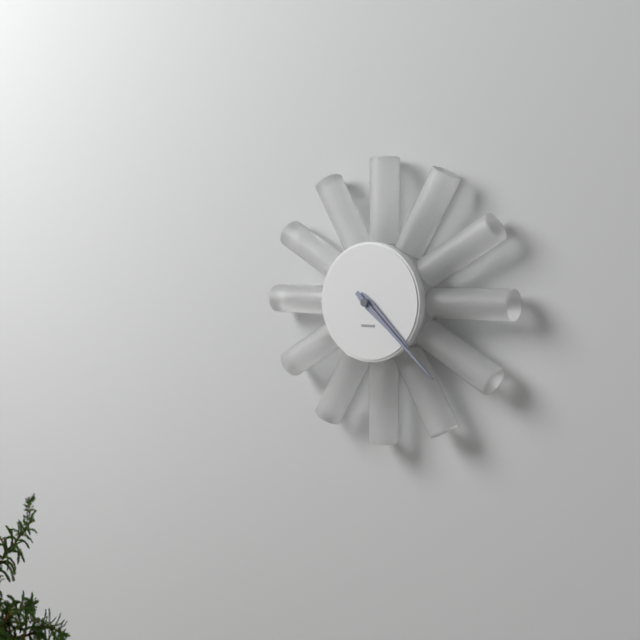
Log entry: 4h22
